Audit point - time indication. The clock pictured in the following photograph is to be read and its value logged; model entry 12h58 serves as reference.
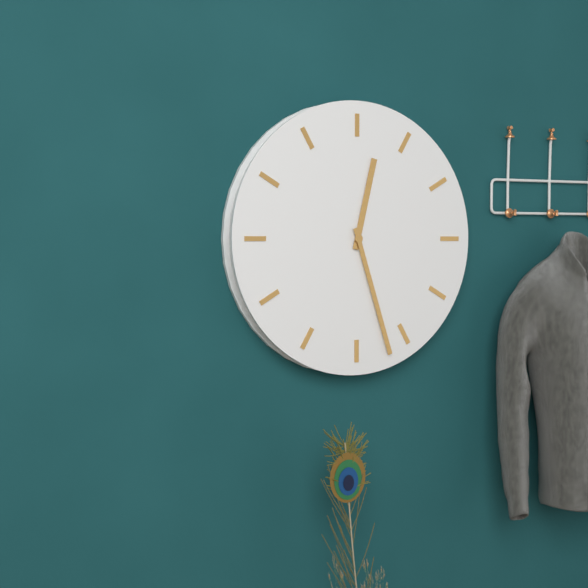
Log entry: 12h27
